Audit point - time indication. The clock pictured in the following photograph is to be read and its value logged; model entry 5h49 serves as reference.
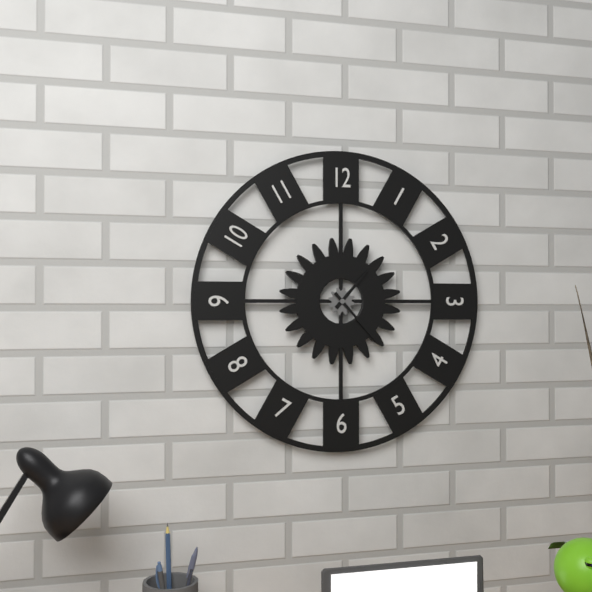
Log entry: 1h23
